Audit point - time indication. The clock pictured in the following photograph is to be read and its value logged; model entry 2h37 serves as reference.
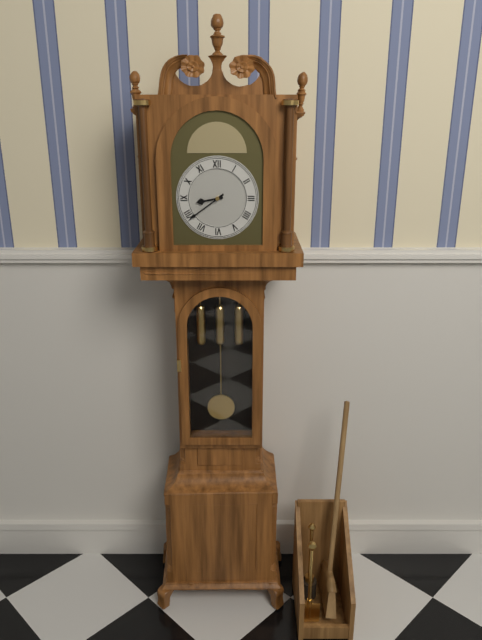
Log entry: 8h39
